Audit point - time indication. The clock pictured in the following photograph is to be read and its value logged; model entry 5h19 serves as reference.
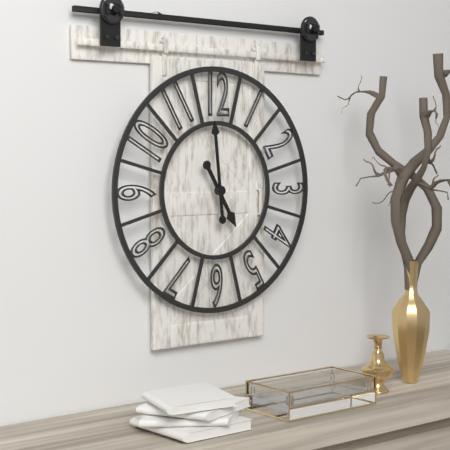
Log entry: 4h59
